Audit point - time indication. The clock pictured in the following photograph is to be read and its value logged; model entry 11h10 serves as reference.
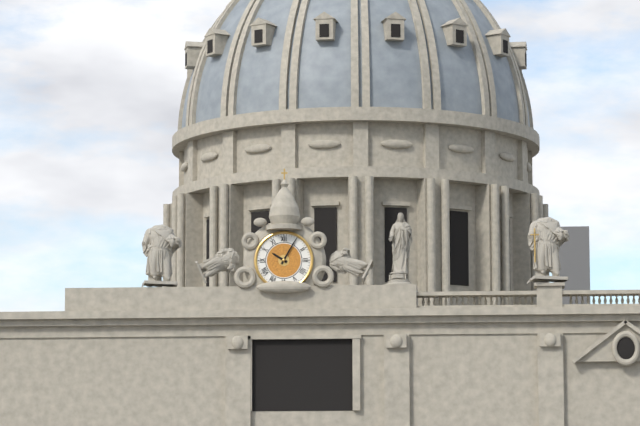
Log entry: 10h05
